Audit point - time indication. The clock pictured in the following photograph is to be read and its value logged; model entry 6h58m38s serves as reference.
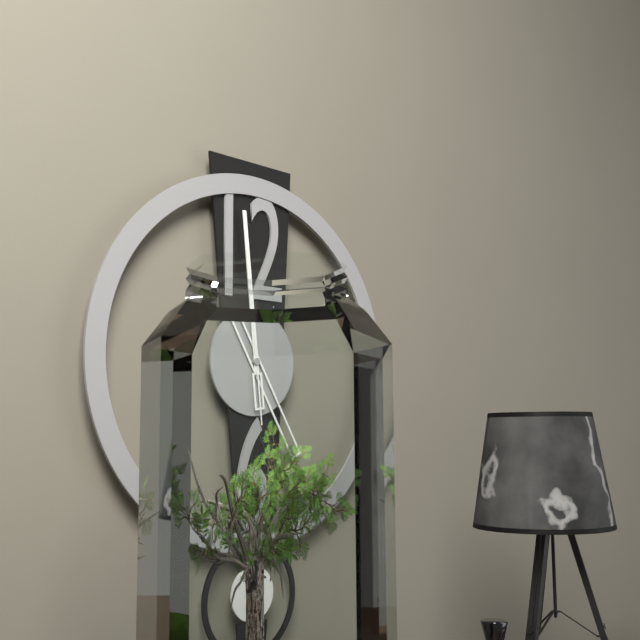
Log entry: 4h59m29s
